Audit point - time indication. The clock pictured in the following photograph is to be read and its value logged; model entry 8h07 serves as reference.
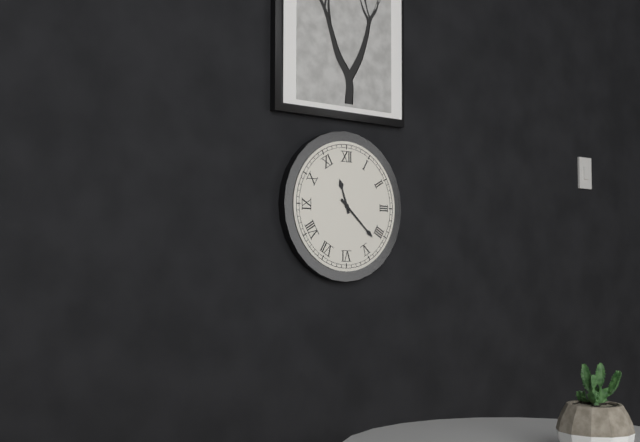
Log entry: 11h22
